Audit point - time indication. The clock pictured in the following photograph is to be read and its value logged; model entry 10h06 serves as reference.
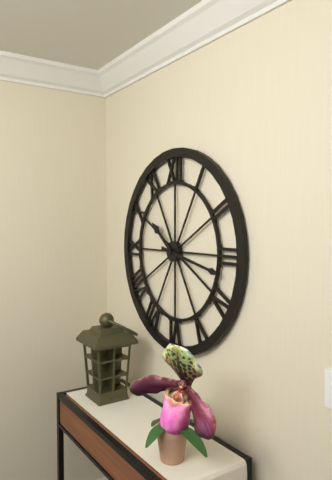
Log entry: 10h17
